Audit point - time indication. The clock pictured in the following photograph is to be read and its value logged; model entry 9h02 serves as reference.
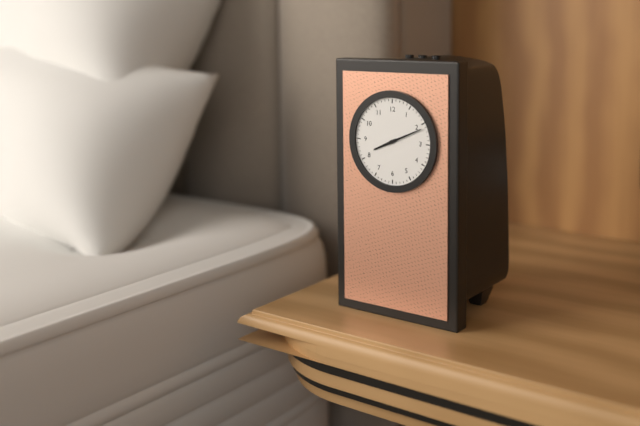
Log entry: 8h11
